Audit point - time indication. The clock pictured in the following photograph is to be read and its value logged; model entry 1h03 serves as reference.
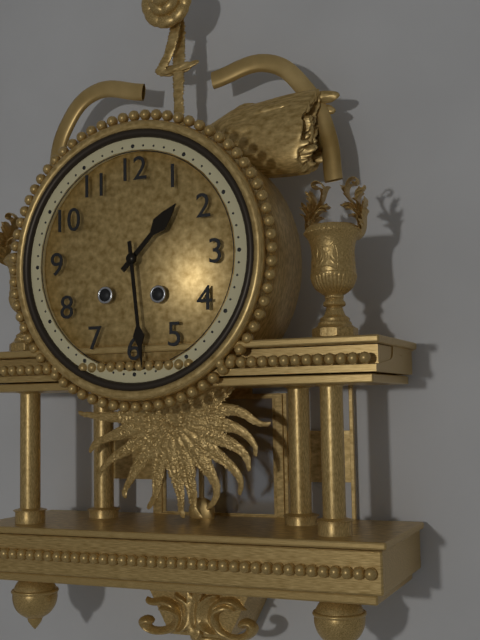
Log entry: 1h29
